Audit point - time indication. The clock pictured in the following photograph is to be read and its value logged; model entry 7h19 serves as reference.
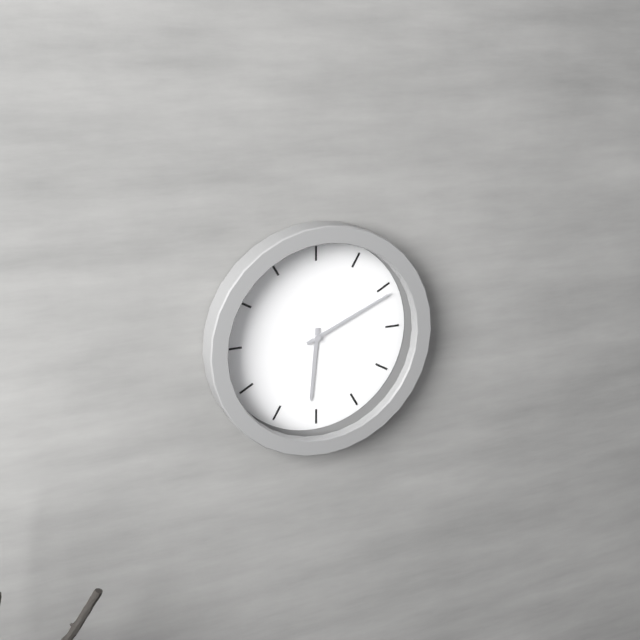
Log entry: 6h11
